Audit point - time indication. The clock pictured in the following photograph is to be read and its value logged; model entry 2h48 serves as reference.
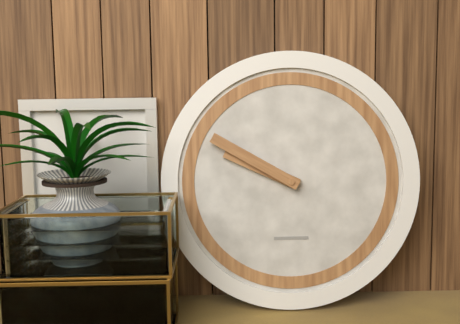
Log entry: 9h50
